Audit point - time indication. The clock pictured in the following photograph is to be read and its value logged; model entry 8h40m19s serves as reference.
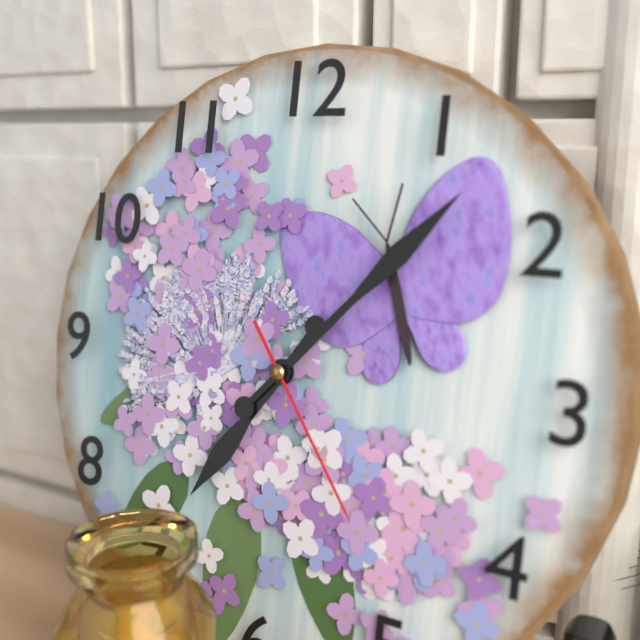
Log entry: 7h07m24s
